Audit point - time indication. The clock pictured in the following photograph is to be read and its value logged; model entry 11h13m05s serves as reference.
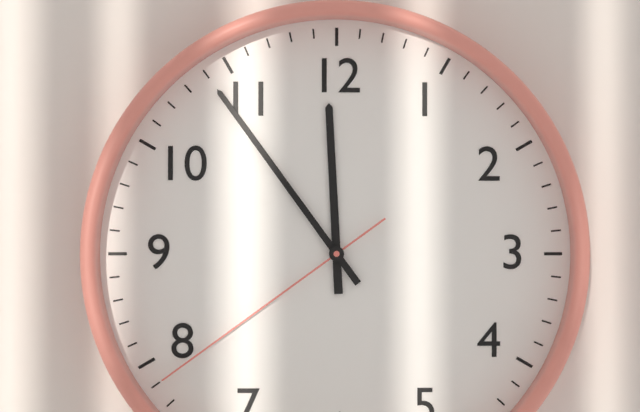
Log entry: 11h54m39s
